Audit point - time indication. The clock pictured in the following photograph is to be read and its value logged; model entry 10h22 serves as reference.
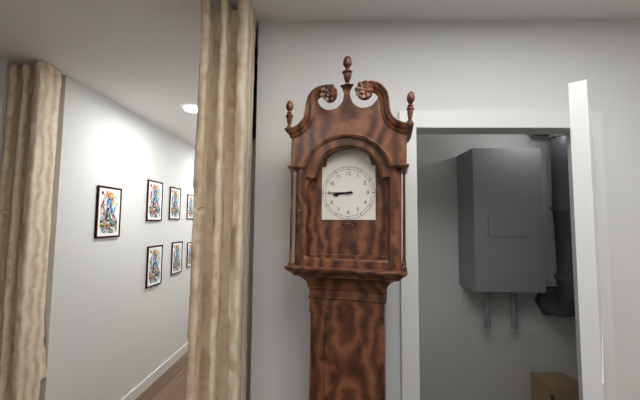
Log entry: 8h45
